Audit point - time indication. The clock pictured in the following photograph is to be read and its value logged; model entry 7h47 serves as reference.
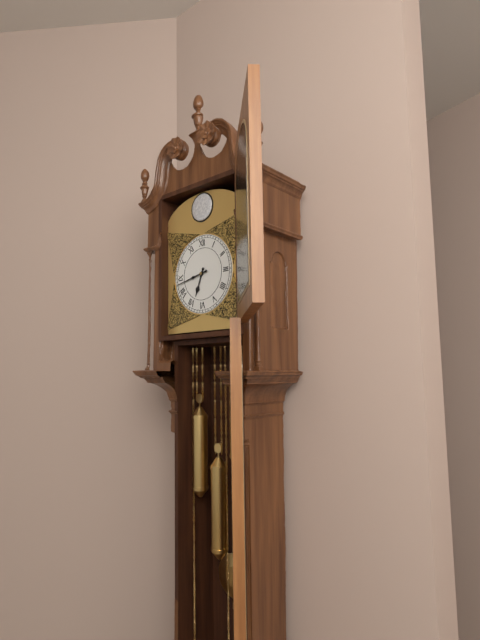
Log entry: 6h43
